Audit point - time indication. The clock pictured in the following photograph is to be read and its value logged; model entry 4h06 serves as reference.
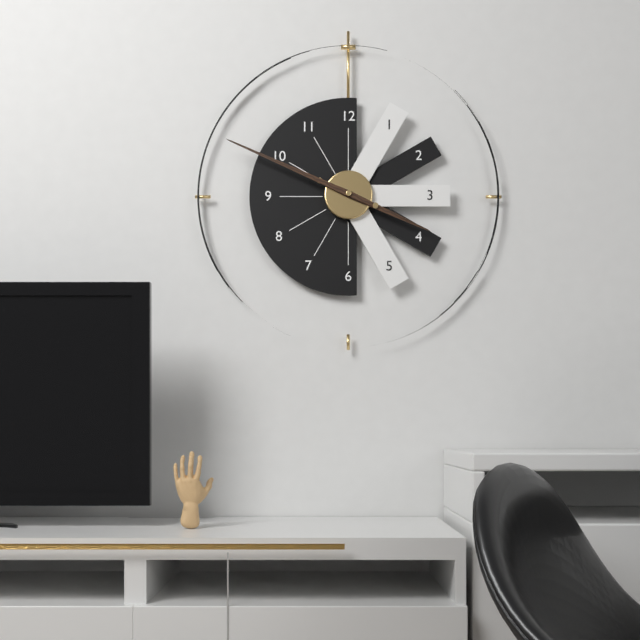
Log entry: 3h49
